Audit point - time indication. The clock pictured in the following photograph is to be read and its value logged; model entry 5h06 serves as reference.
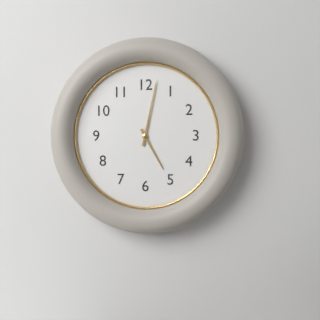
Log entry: 5h02
